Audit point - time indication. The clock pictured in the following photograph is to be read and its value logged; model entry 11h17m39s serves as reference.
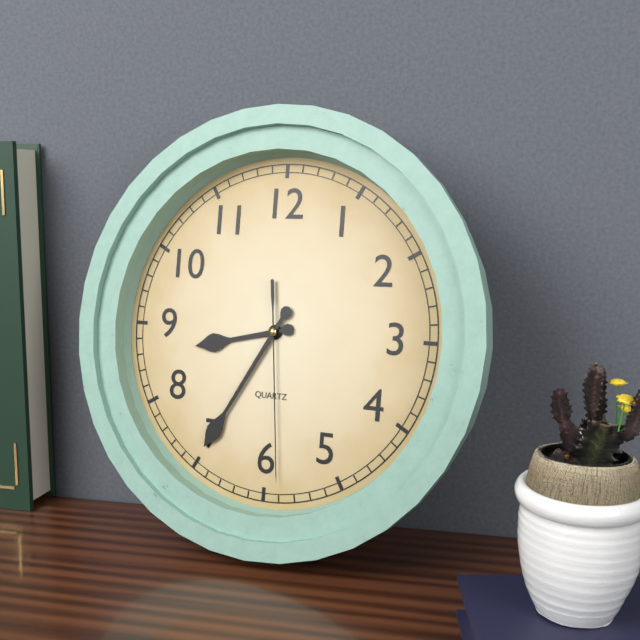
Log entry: 8h35m29s
